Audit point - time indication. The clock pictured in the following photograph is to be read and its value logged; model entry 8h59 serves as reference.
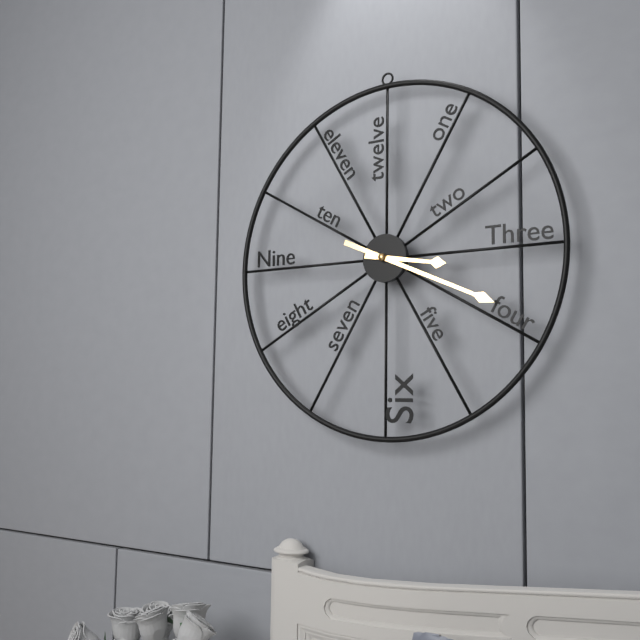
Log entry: 3h19
